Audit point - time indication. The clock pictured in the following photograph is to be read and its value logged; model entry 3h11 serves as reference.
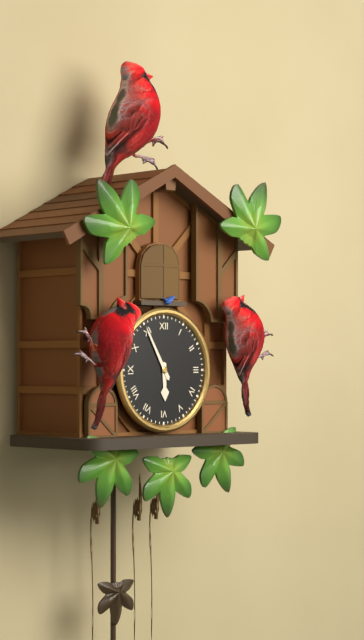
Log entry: 5h55
